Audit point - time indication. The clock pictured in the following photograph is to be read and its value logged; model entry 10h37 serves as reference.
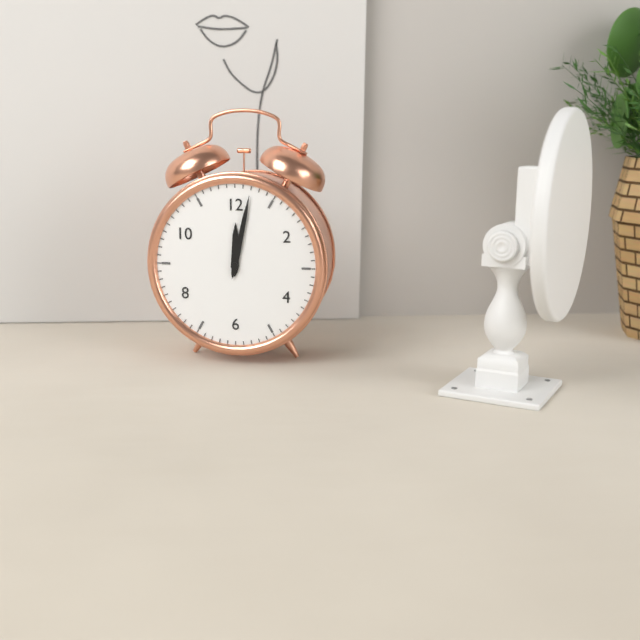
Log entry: 12h02
